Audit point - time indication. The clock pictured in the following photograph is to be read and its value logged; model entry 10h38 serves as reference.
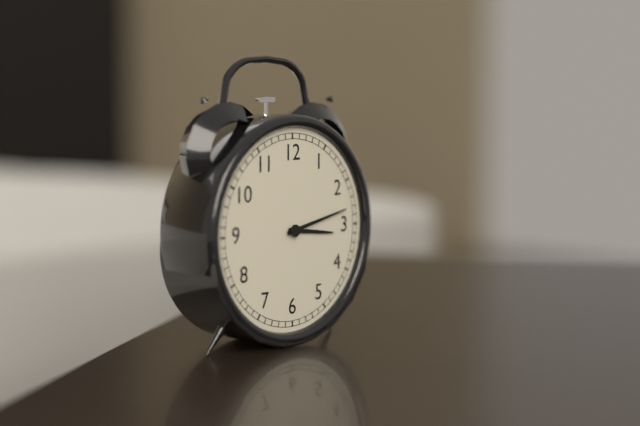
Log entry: 3h13
